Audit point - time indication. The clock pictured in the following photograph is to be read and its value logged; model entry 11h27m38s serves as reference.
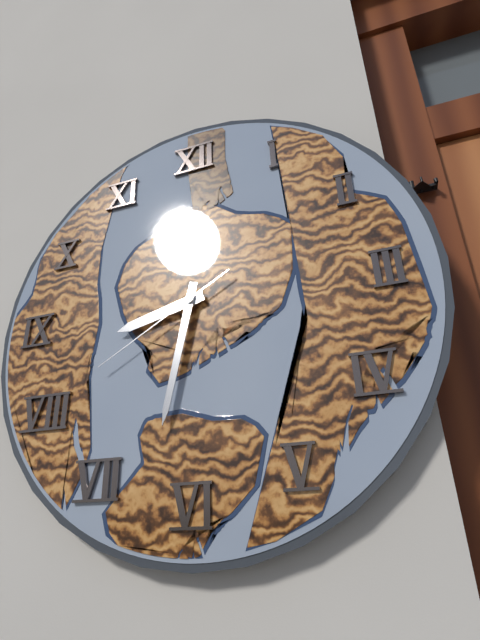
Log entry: 8h32m40s
